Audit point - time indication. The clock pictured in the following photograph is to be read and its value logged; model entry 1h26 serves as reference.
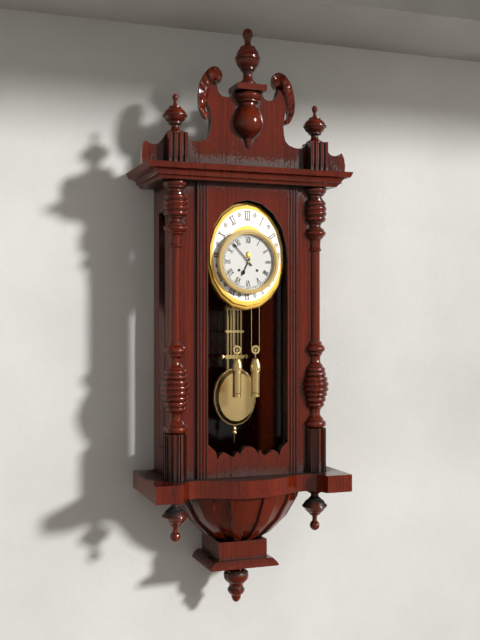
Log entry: 6h53
